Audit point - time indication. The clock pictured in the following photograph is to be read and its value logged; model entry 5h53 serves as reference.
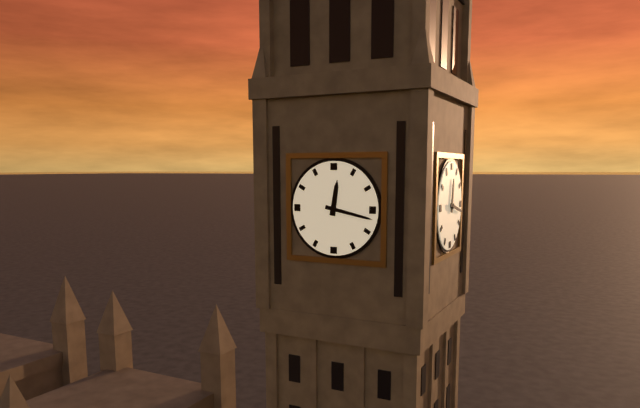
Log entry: 12h17
